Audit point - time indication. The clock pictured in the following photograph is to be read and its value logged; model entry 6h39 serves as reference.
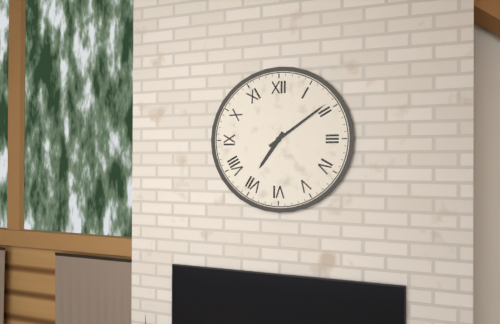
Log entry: 7h09
